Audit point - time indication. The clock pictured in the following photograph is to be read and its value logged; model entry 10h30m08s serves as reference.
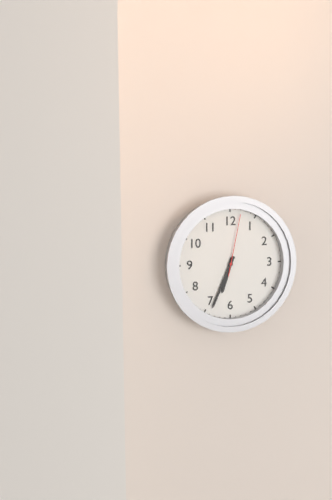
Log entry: 6h34m02s
